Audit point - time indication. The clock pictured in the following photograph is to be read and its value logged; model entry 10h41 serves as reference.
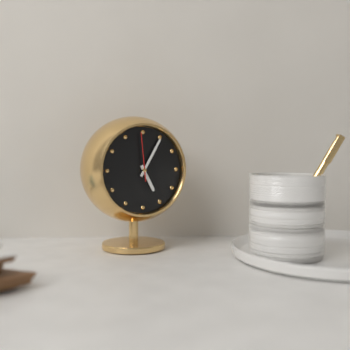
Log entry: 5h05
